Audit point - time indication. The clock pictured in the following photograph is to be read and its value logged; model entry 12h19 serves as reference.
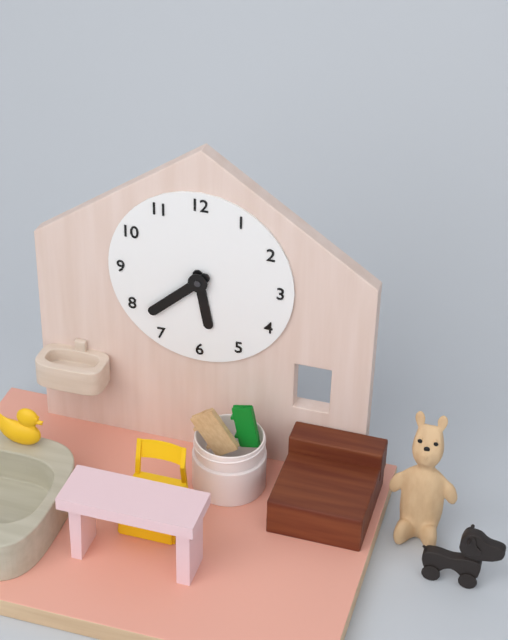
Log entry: 5h38
